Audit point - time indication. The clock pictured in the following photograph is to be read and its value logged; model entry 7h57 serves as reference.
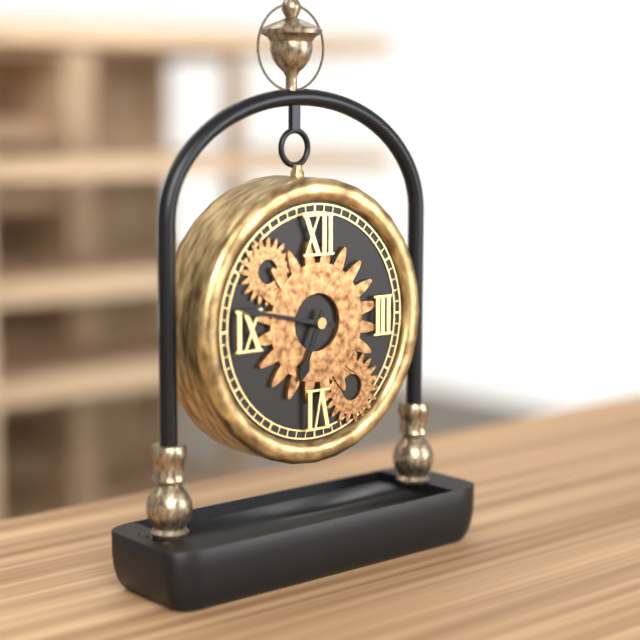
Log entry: 6h47
